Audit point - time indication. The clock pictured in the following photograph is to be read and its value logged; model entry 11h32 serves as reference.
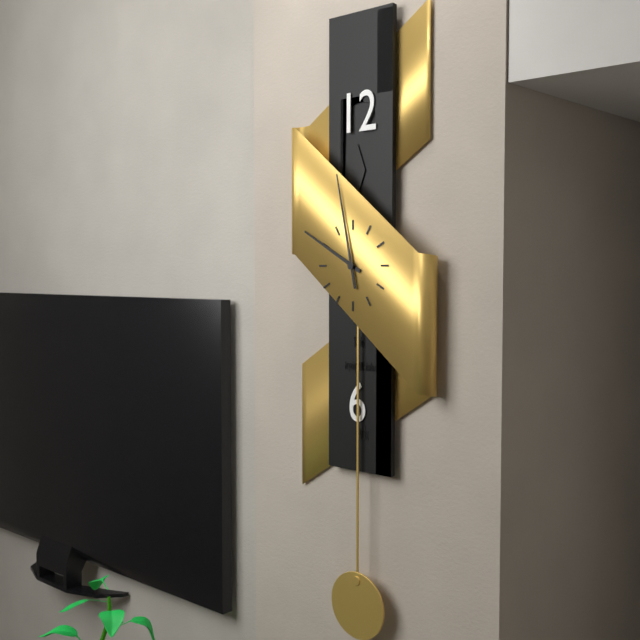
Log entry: 9h58
